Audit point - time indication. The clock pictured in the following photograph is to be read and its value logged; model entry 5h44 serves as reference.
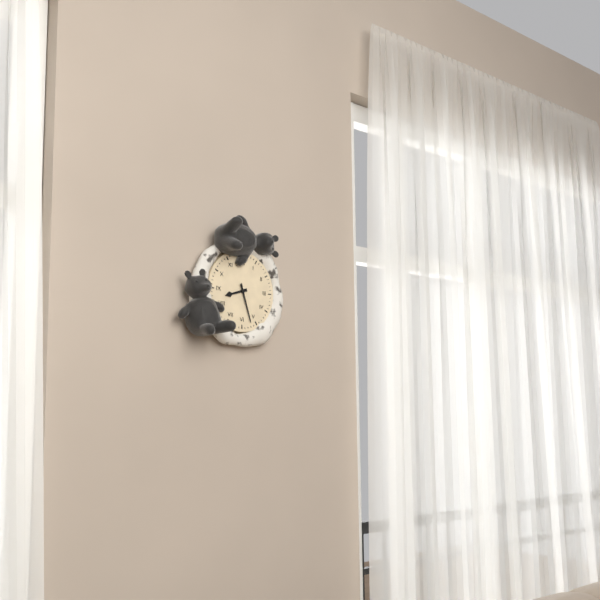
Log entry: 8h27
